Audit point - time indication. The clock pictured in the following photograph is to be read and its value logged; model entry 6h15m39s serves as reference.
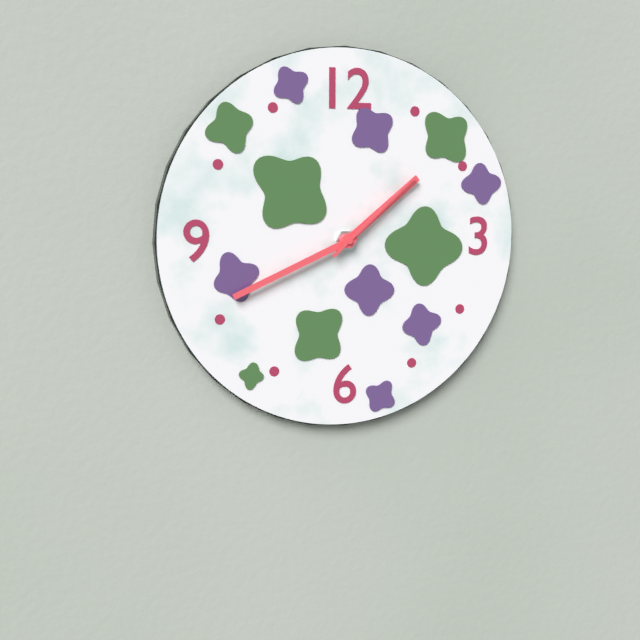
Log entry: 1h41m08s
